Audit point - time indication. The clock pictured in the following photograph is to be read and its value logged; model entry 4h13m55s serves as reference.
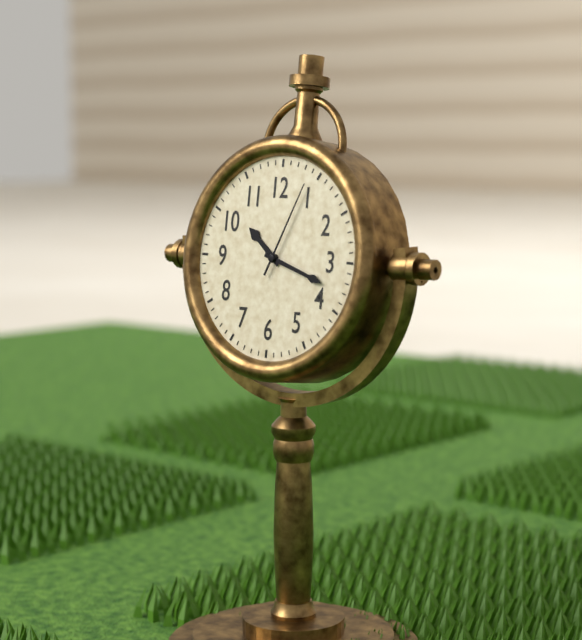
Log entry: 10h18m04s
